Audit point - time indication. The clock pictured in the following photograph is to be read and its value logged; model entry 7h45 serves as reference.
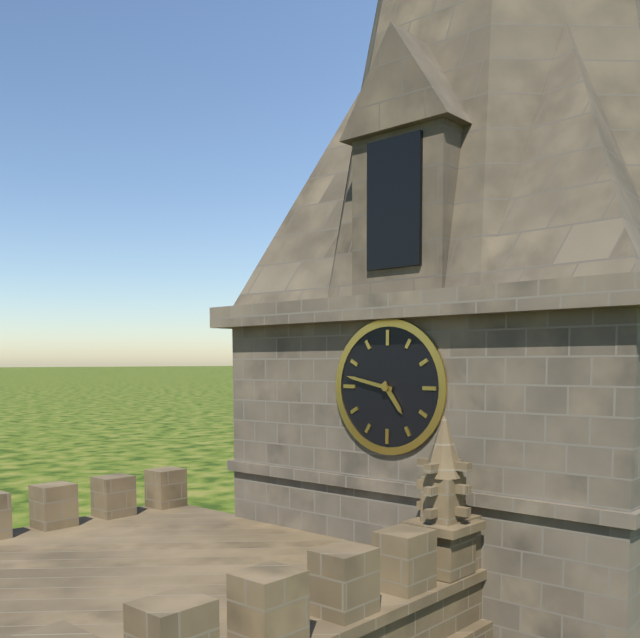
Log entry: 4h47
